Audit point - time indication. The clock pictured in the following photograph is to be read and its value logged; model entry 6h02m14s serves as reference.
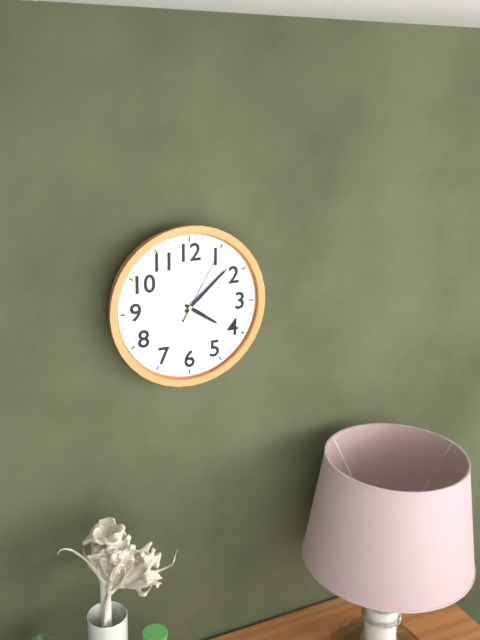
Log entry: 4h08m05s
